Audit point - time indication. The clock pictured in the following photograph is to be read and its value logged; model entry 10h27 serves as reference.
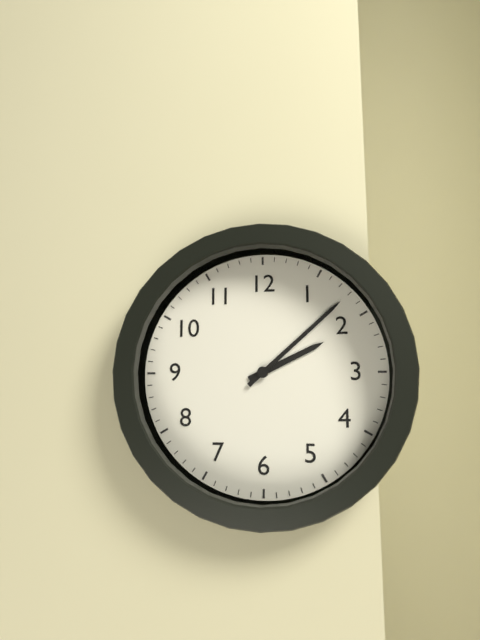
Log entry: 2h08
